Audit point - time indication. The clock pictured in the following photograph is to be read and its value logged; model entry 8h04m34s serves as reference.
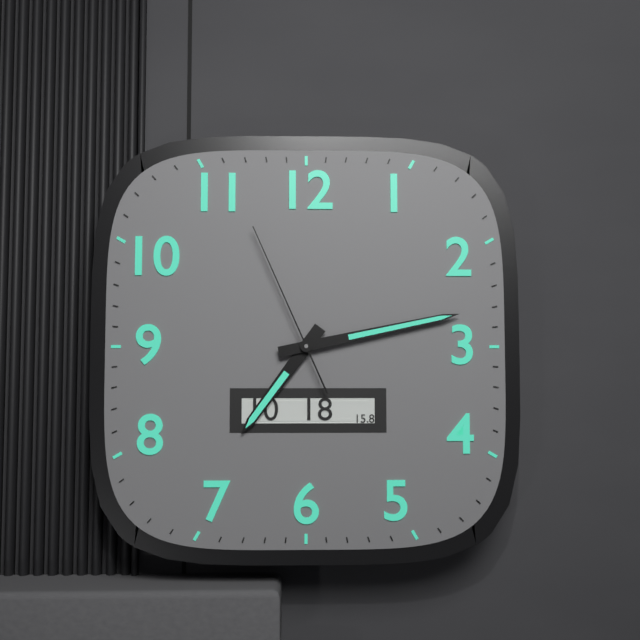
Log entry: 7h13m56s
